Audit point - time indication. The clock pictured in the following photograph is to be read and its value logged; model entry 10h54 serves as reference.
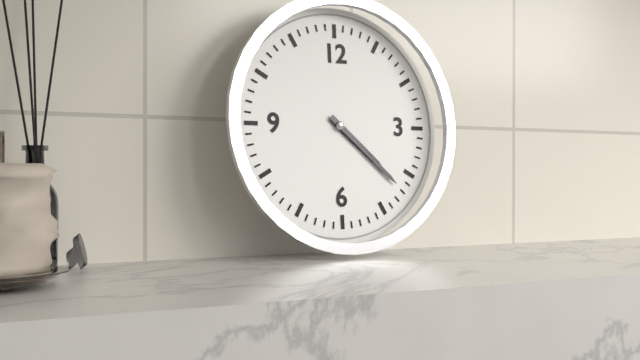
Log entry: 4h22
